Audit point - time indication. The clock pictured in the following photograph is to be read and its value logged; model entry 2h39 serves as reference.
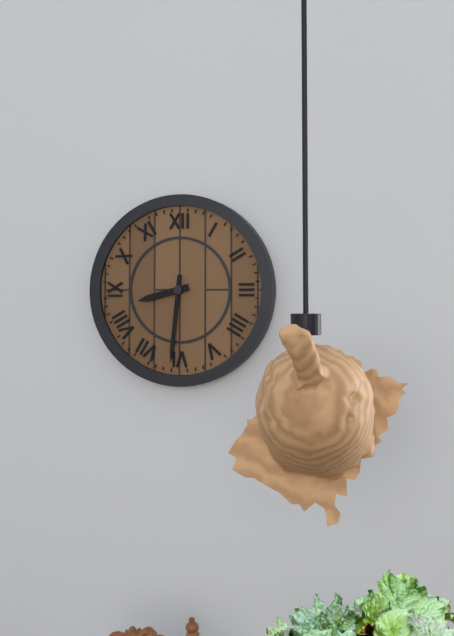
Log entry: 8h31
